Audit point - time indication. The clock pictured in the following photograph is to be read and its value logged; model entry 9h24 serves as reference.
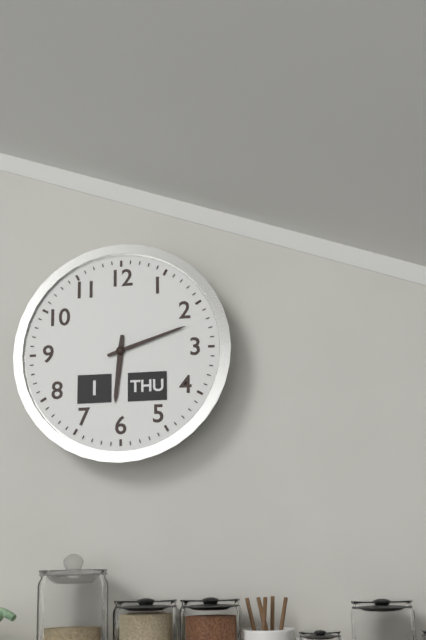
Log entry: 6h12
